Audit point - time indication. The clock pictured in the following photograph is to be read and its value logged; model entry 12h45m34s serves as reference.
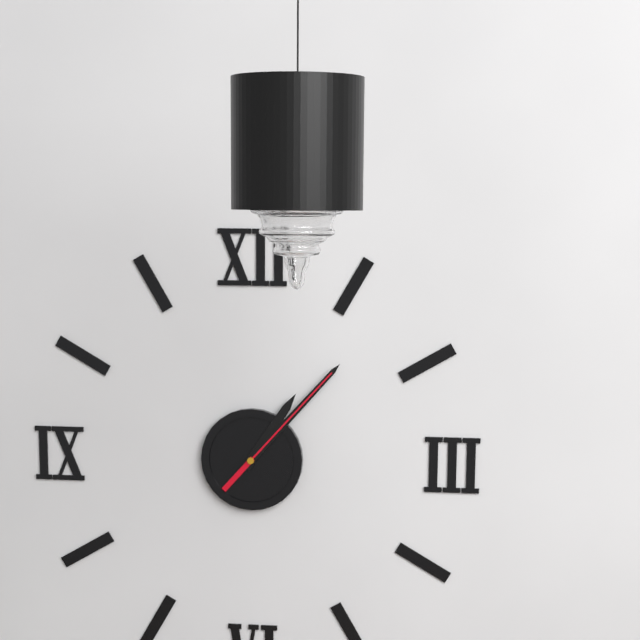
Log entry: 1h07m07s
